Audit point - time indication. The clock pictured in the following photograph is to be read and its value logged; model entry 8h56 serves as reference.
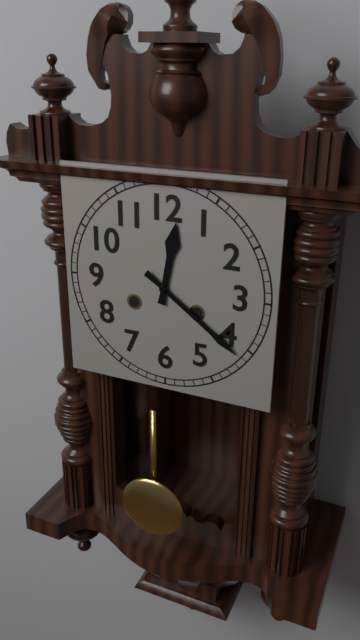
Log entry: 12h21
